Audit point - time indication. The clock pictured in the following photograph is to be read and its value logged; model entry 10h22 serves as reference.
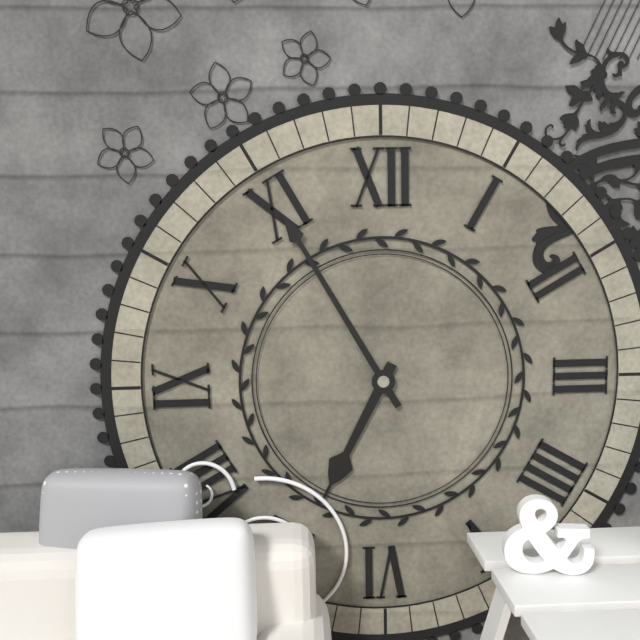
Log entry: 6h55
